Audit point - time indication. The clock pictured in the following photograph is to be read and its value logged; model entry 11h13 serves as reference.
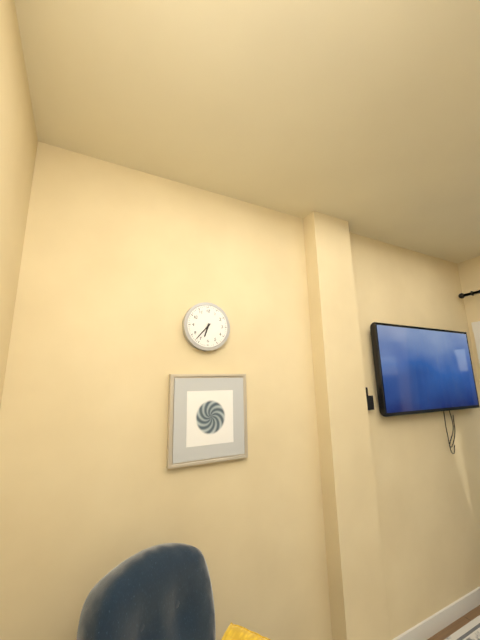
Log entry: 6h37
